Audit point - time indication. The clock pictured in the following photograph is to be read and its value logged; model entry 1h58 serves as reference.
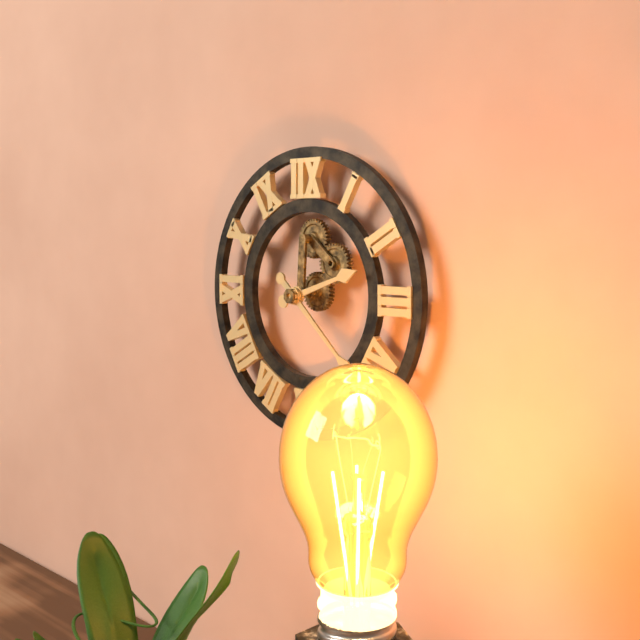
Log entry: 2h22
